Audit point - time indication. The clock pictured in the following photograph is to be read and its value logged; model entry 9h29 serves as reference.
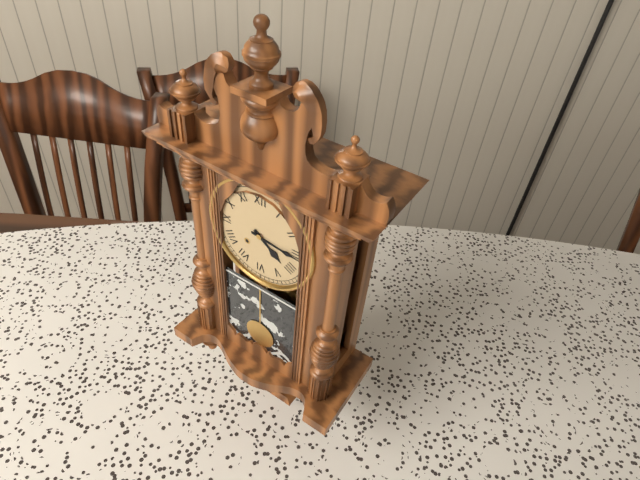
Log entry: 4h16
